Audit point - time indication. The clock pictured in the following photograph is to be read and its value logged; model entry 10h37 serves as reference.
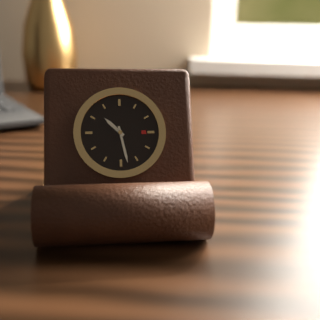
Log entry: 10h28
